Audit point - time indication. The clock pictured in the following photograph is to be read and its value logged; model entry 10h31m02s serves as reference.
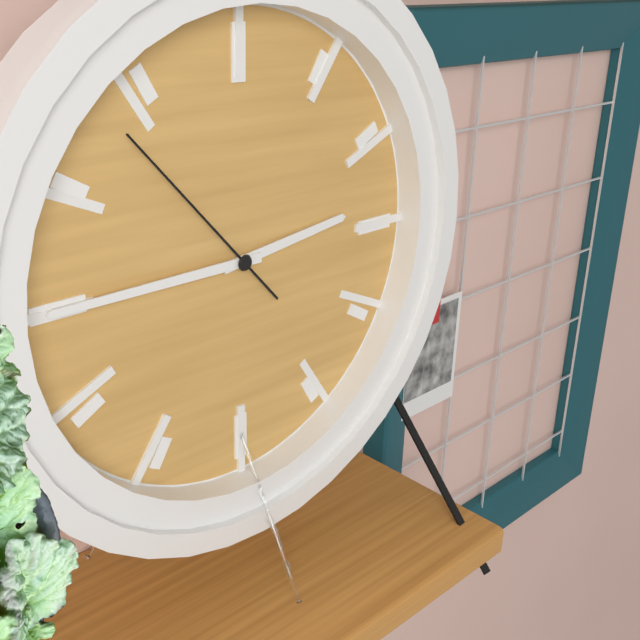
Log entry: 2h45m53s
